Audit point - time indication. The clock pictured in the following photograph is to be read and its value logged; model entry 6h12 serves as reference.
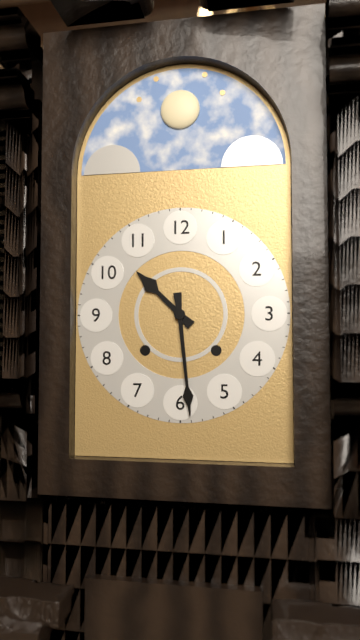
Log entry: 10h29
